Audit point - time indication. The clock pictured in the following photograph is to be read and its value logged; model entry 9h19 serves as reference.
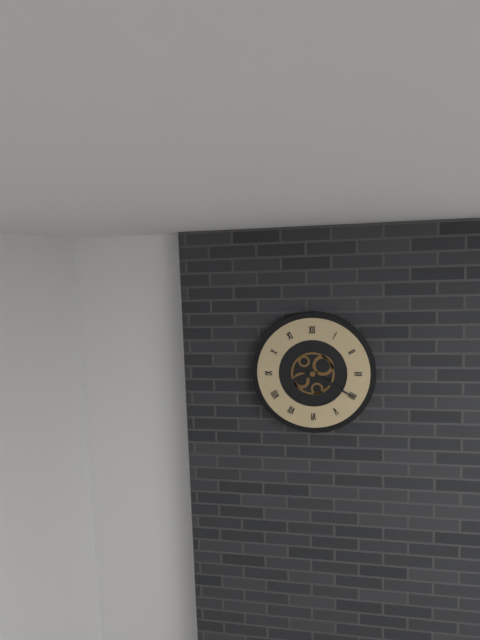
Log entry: 8h20
